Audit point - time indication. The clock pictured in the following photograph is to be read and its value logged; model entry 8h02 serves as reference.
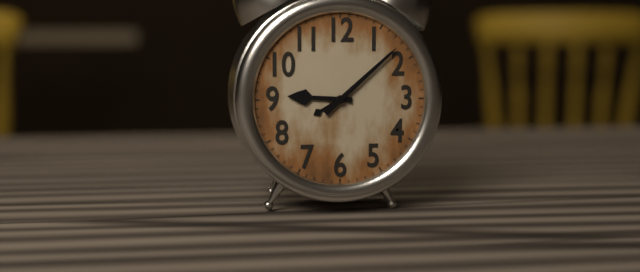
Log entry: 9h08
